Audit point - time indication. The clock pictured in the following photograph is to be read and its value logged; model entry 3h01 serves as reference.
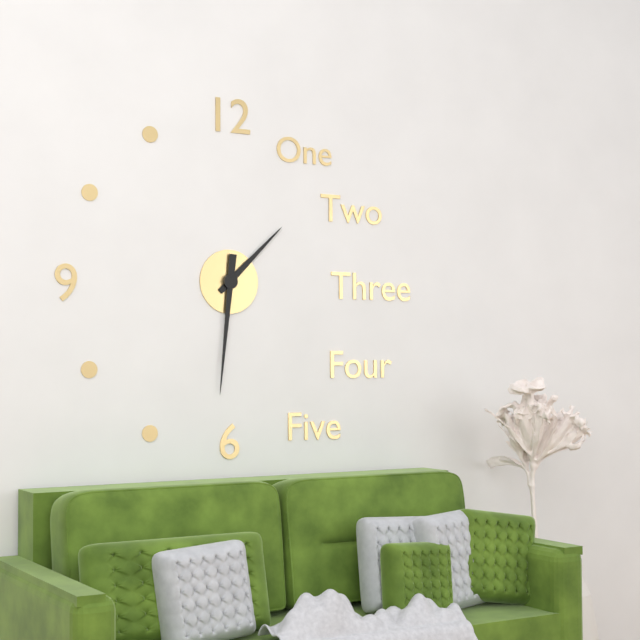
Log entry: 1h31
